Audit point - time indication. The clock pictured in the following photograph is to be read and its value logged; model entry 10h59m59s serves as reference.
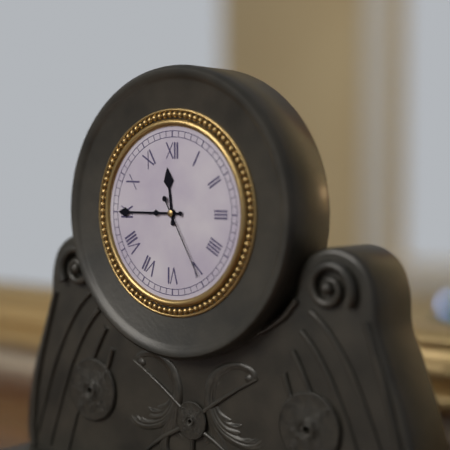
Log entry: 11h45m25s
